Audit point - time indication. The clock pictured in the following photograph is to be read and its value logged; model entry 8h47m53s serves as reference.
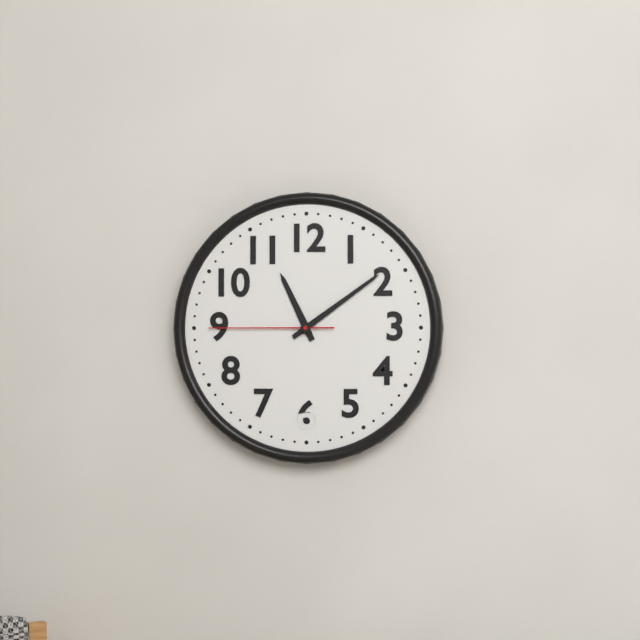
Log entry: 11h09m45s
